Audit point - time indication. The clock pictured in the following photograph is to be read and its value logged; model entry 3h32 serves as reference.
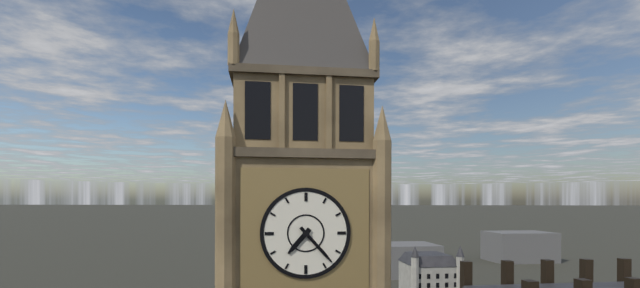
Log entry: 7h23
